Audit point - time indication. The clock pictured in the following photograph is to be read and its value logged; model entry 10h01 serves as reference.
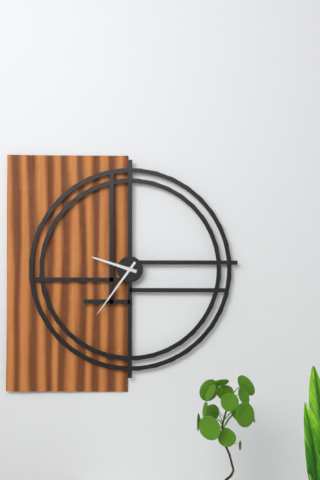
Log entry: 9h36
